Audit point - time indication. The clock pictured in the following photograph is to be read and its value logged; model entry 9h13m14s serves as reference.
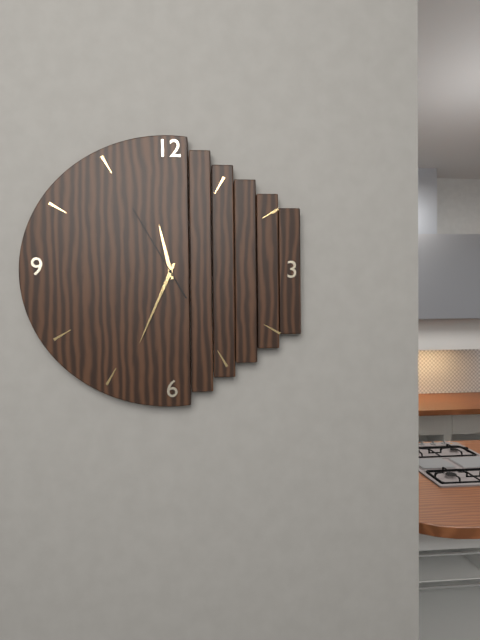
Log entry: 11h34m55s
